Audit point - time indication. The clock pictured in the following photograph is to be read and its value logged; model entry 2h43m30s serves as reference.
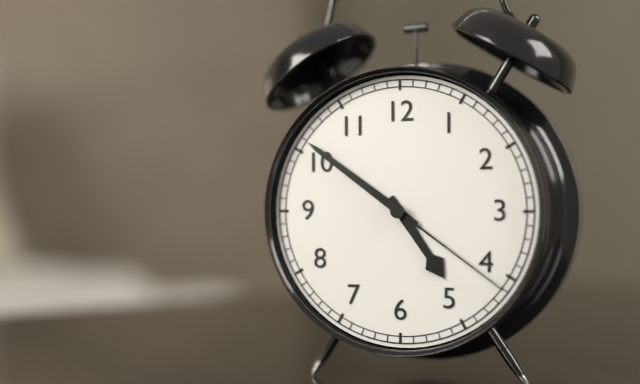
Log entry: 4h51m21s
